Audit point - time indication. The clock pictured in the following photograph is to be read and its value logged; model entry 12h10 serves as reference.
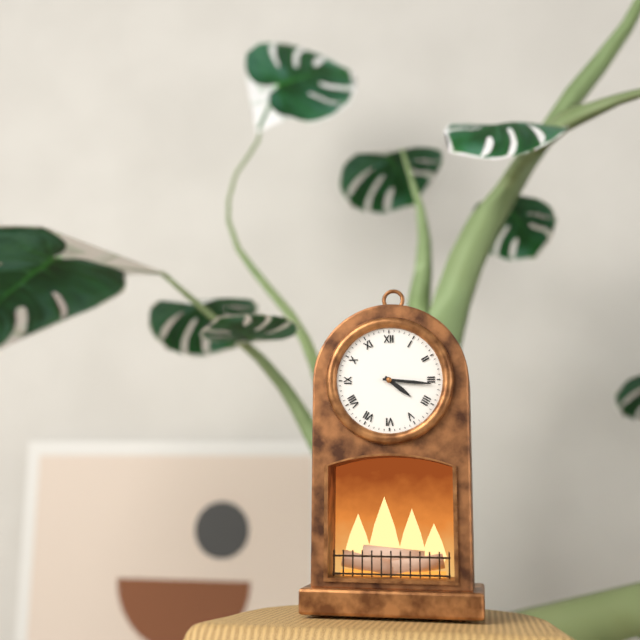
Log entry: 4h16
